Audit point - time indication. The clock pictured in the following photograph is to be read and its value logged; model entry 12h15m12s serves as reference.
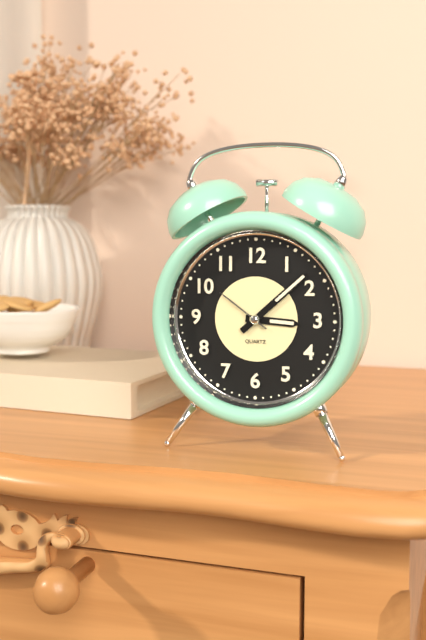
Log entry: 3h08m51s
